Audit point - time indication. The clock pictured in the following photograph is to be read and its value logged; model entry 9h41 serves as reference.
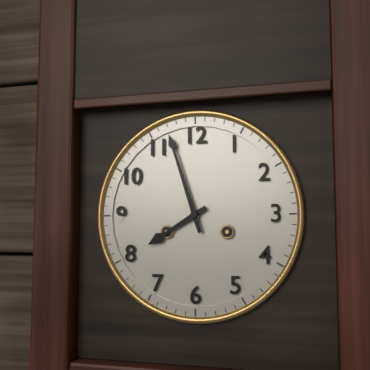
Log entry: 7h57
